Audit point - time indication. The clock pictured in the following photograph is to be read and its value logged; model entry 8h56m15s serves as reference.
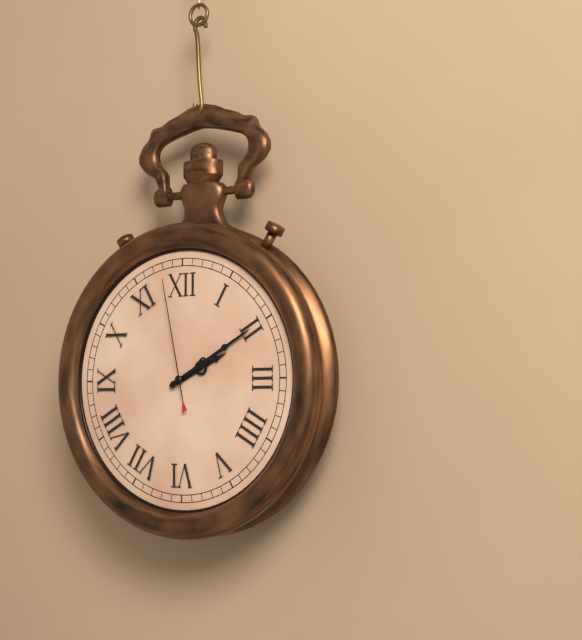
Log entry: 2h10m58s
